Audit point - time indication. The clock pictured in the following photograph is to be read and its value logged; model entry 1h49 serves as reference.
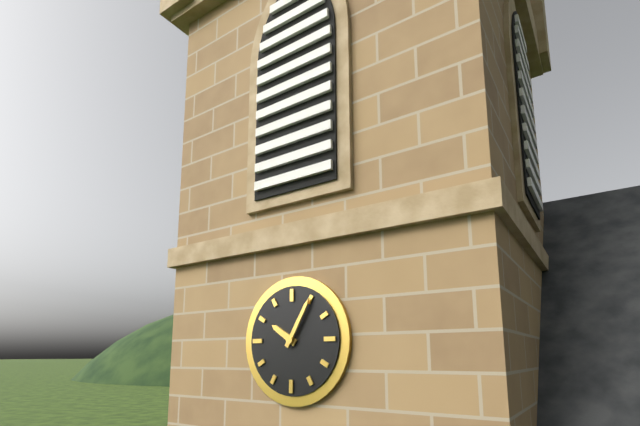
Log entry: 10h05
